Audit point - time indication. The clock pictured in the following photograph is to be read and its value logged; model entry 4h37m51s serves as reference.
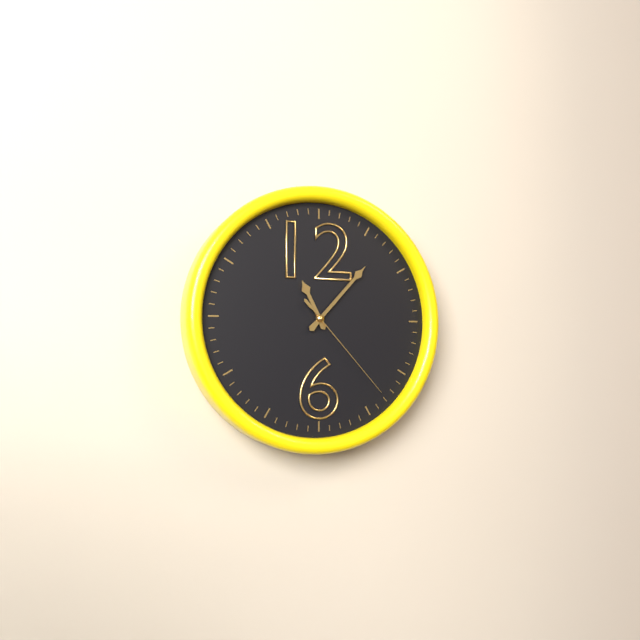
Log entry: 11h07m23s
